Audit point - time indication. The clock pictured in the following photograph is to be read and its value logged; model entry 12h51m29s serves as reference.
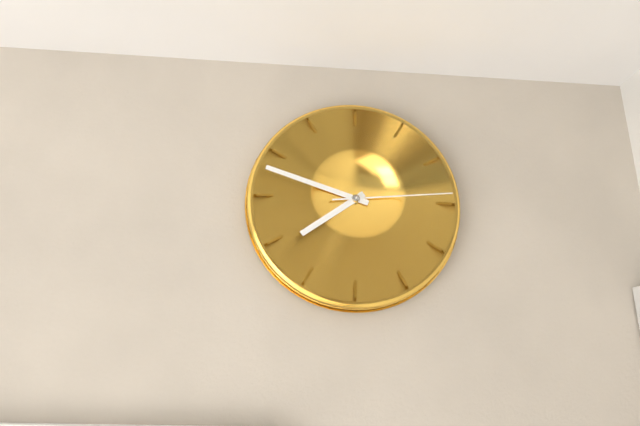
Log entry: 7h48m14s
